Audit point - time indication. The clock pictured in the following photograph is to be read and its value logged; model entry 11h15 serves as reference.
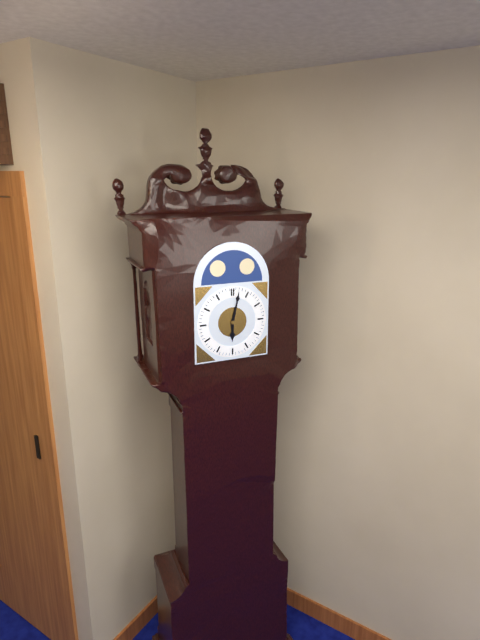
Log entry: 6h02
